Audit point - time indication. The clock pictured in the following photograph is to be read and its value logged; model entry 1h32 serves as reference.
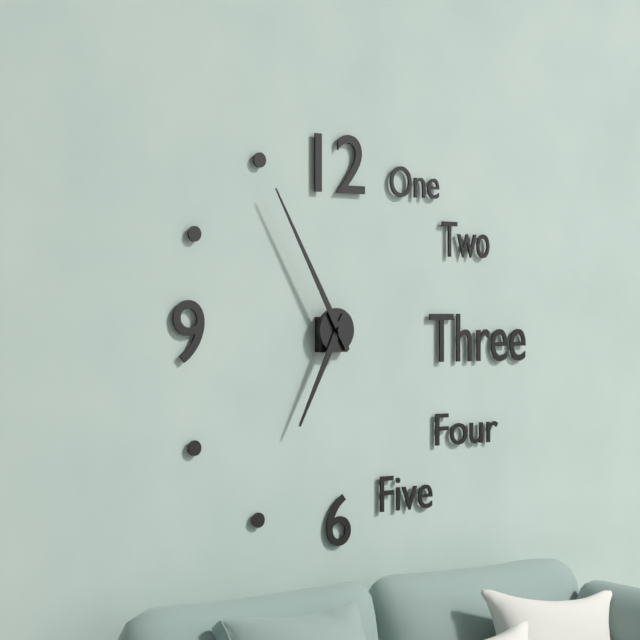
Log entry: 6h55
